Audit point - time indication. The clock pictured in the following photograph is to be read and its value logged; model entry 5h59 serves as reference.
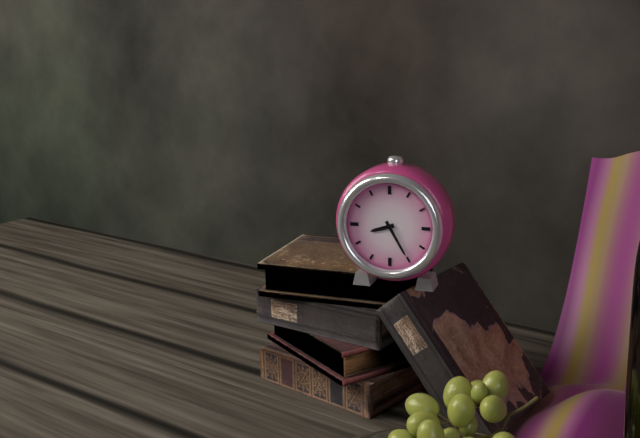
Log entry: 8h25
